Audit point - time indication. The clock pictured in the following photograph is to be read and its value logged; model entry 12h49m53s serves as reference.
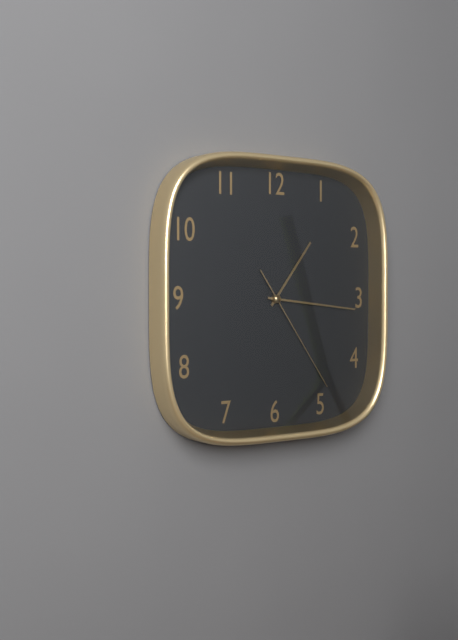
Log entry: 1h16m24s
